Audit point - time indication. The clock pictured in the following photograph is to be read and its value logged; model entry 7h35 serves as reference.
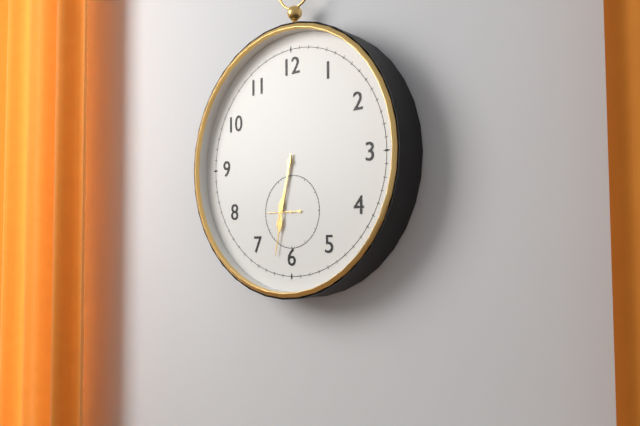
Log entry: 6h32
